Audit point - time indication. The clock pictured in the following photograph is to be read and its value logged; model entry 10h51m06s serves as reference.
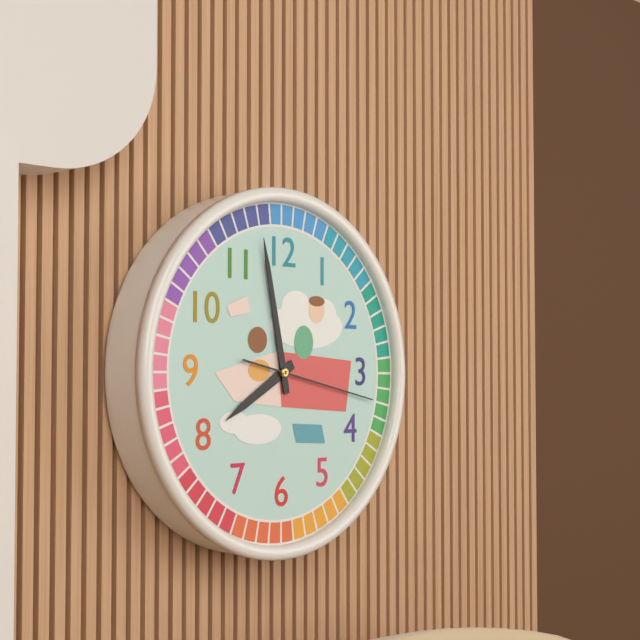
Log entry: 7h58m17s
